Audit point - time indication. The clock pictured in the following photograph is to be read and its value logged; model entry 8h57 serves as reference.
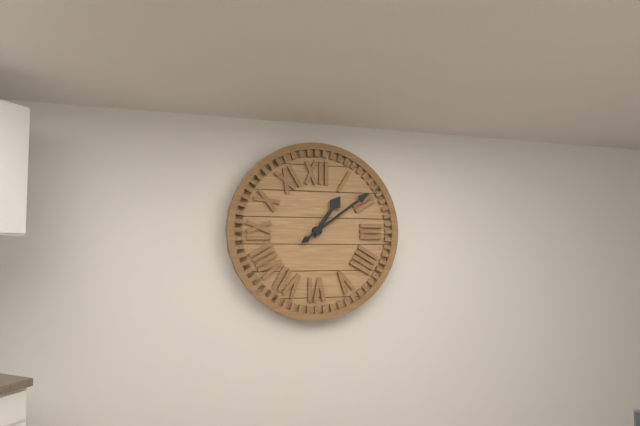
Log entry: 1h09
